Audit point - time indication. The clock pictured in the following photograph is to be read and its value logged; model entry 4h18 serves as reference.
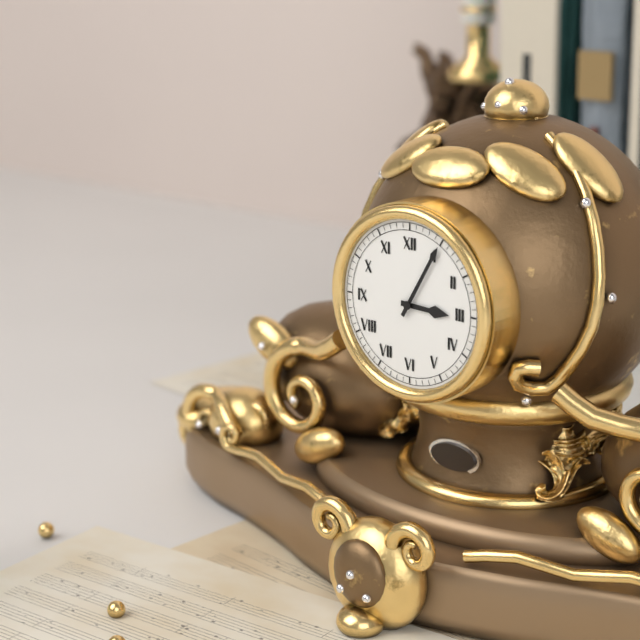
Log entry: 3h05
